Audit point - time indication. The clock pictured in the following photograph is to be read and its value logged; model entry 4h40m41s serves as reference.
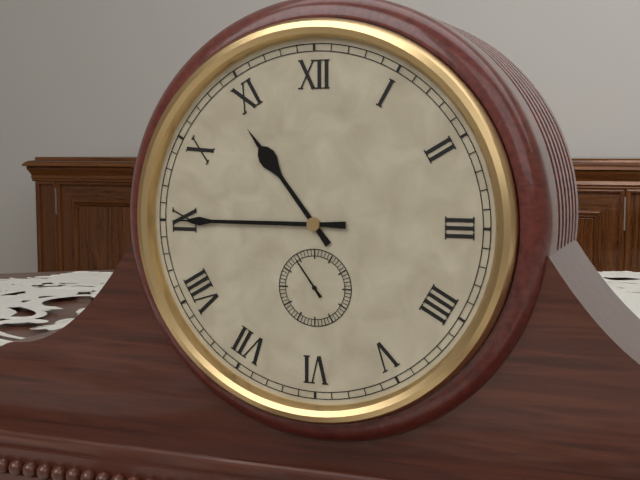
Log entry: 10h45m54s
